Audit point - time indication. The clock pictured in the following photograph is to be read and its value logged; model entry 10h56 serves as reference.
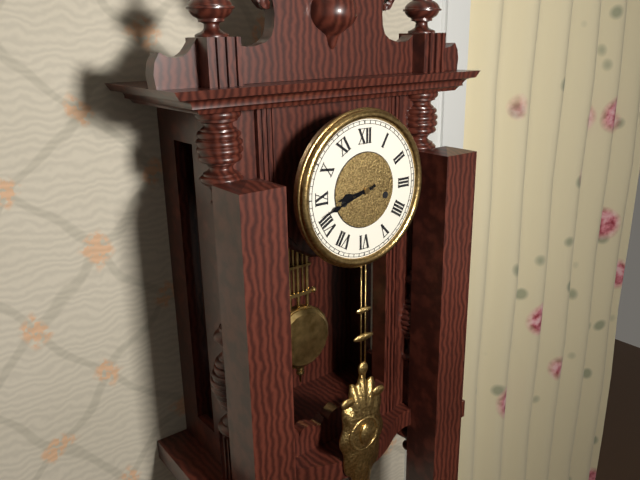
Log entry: 8h42
